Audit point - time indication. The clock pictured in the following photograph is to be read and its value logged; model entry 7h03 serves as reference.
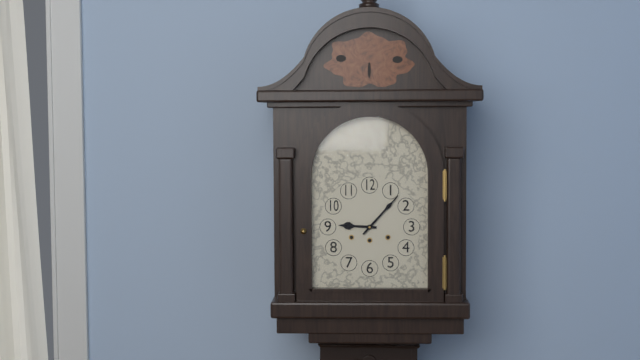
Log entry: 9h07
